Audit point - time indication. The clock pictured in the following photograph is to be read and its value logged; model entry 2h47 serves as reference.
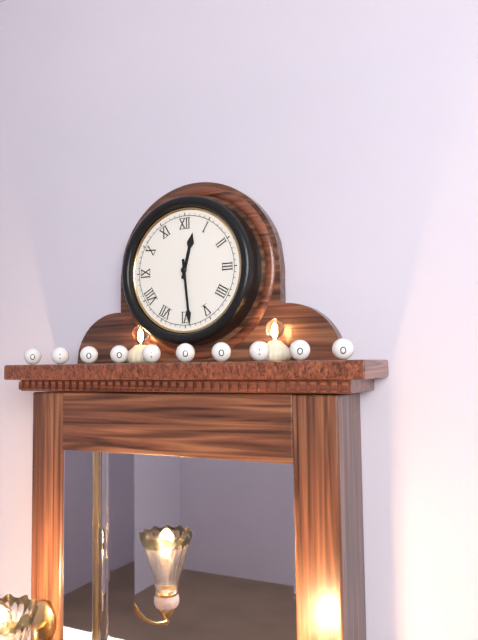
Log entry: 12h29
